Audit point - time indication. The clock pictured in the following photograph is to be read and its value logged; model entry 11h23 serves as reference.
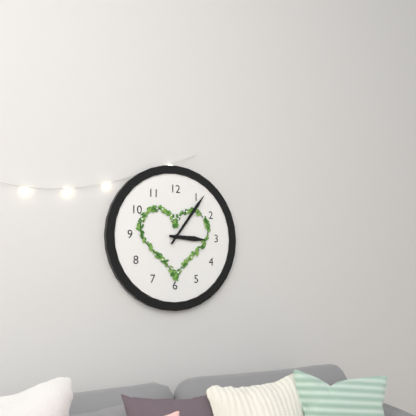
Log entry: 3h06
